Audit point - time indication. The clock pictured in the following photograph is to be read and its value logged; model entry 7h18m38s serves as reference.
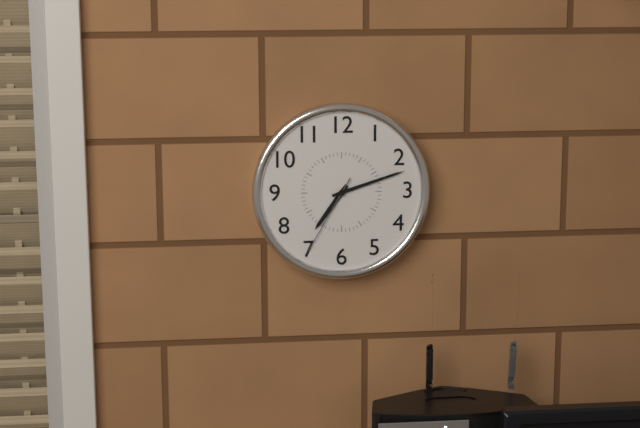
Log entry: 7h12m35s
